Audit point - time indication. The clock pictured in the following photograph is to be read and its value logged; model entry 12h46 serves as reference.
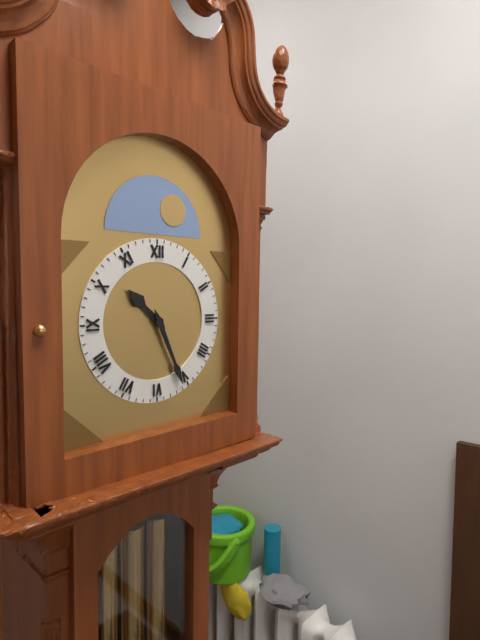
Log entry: 10h26
